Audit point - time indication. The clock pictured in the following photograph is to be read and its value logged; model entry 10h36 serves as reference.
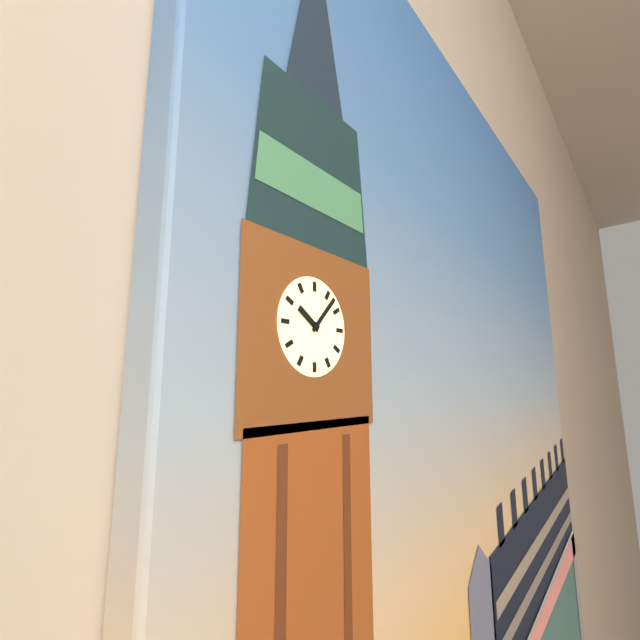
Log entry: 10h07
